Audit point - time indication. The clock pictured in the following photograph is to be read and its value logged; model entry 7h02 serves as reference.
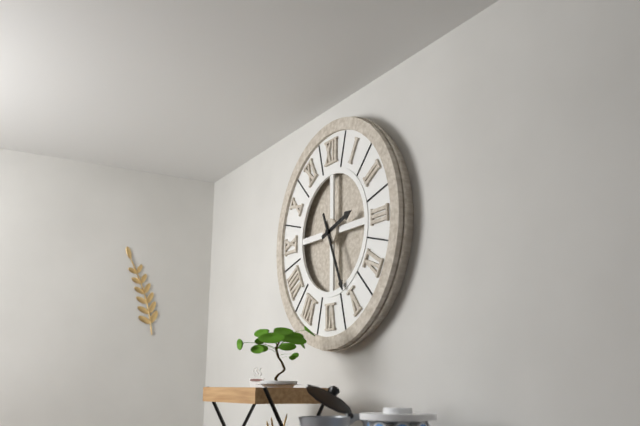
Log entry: 2h26
